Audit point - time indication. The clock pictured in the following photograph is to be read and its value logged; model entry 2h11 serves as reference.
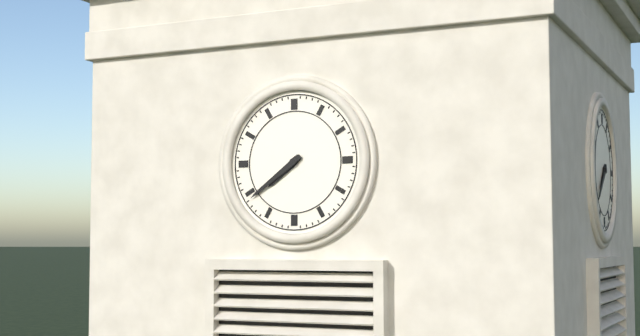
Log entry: 7h39
